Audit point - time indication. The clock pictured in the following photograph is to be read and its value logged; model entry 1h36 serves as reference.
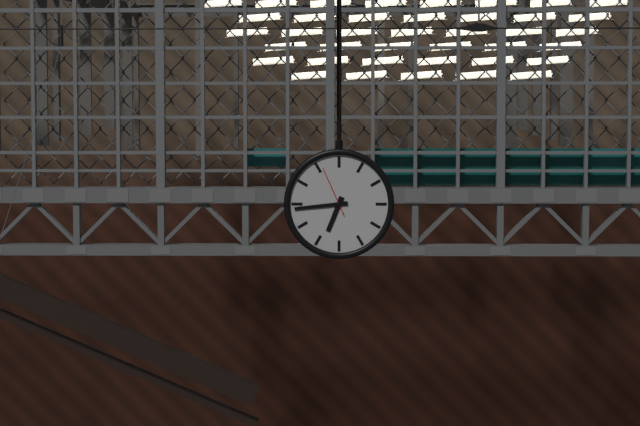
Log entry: 6h44
